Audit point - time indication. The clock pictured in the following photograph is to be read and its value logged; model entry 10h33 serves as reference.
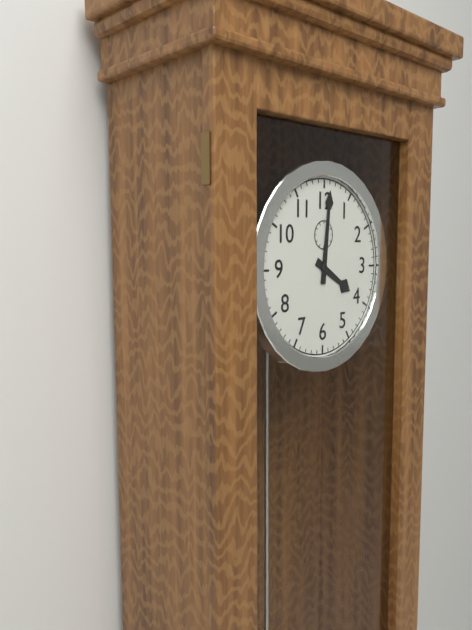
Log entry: 4h01
